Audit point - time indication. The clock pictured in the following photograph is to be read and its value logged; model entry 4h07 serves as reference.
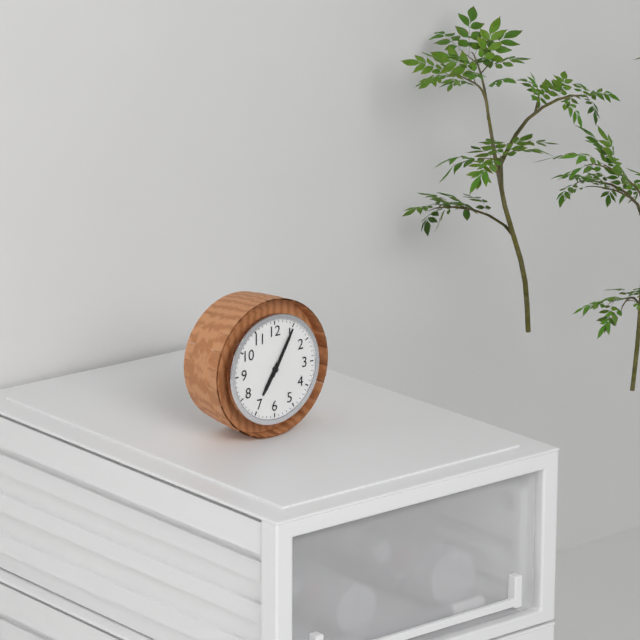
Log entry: 7h05
